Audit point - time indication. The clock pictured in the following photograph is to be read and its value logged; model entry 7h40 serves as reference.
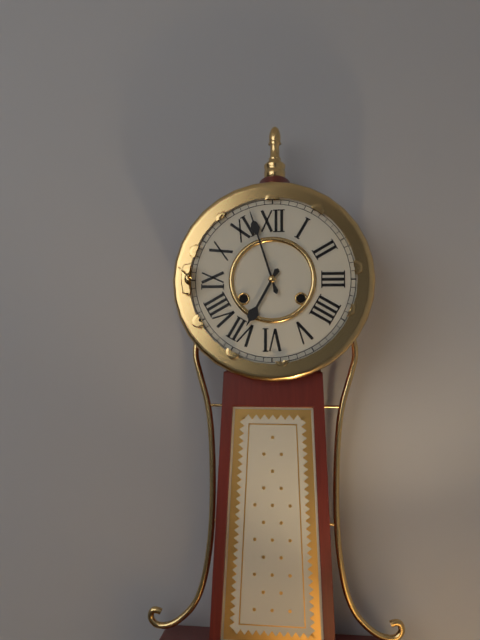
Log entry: 6h57
